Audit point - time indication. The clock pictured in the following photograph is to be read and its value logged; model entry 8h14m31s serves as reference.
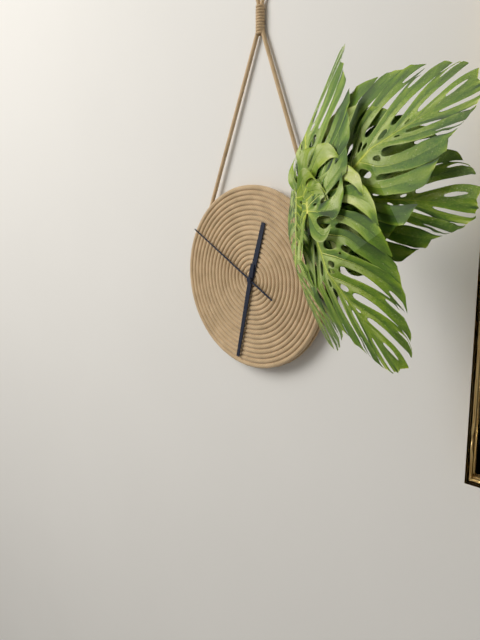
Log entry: 12h32m50s
